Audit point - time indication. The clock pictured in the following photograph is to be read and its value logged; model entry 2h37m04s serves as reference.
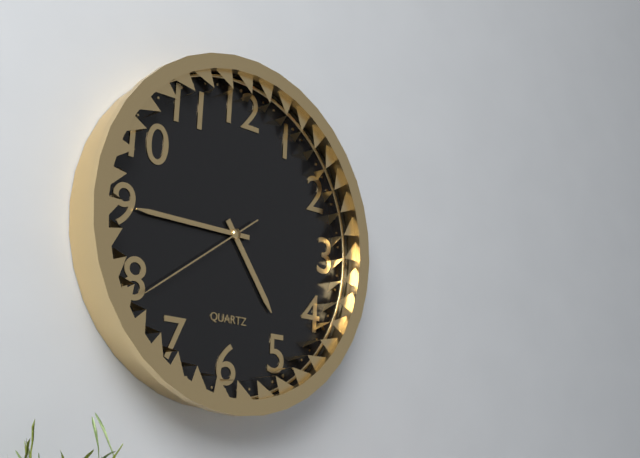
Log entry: 4h45m39s
